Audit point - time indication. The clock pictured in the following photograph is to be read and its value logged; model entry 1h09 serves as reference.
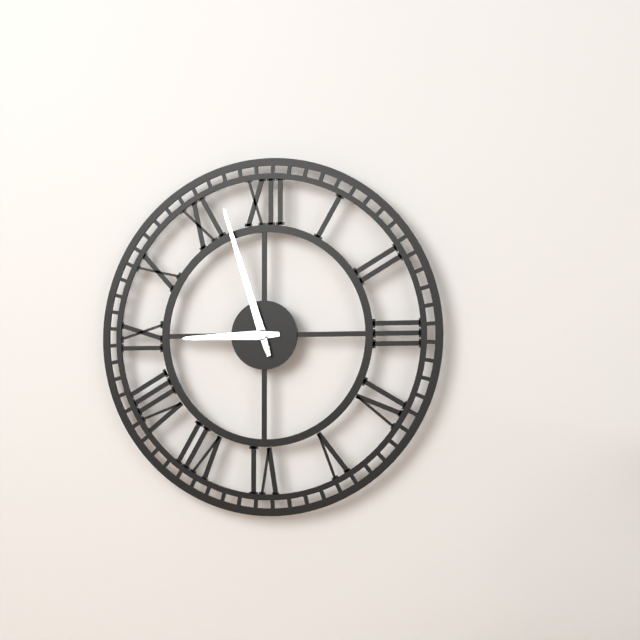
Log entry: 8h57
